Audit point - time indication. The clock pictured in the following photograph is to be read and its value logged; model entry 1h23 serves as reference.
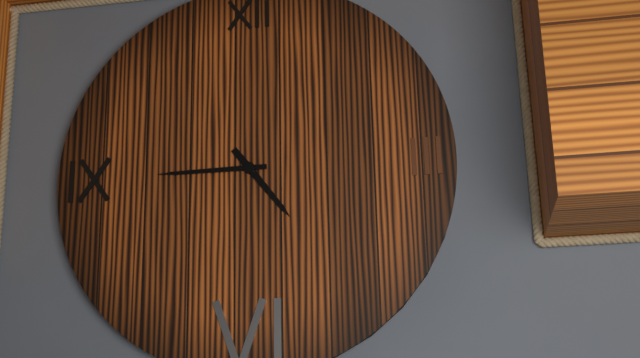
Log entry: 4h45
